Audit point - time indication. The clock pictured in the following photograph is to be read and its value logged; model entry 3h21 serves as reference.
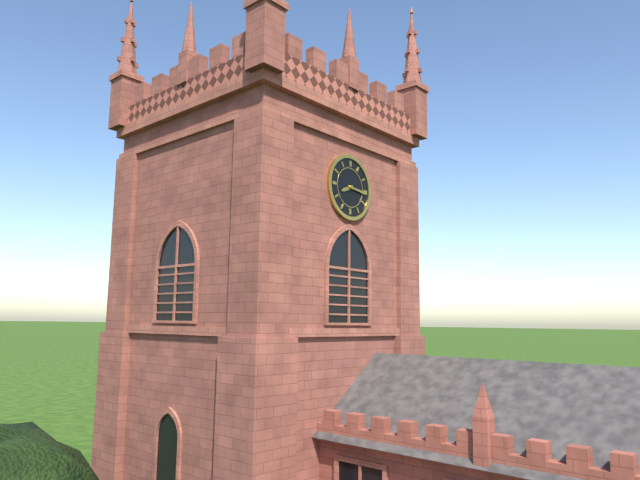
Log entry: 8h16
